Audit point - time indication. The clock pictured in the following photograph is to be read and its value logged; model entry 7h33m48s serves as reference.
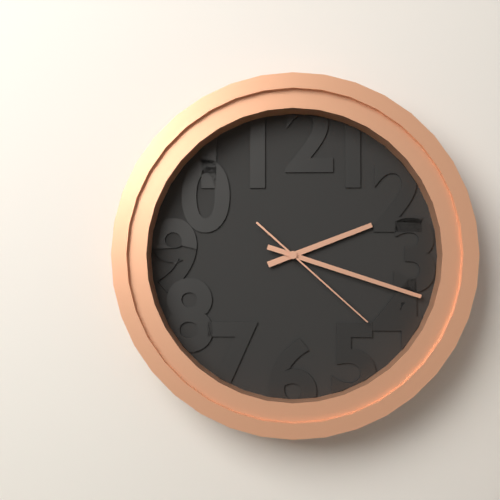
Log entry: 2h18m22s
